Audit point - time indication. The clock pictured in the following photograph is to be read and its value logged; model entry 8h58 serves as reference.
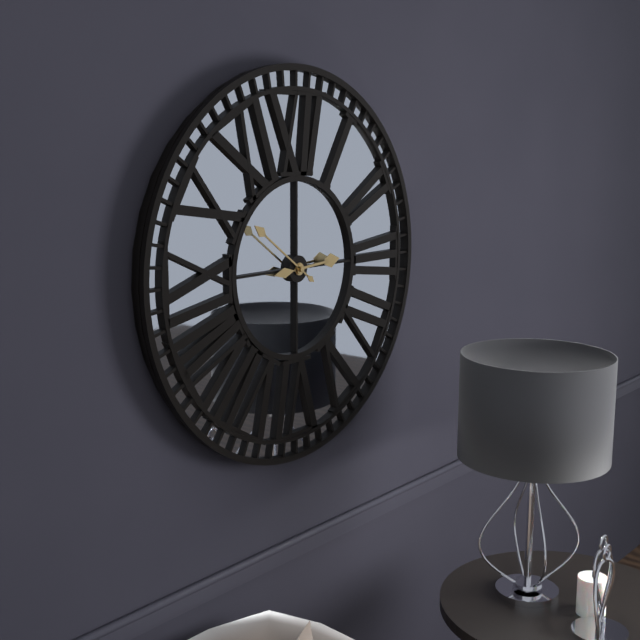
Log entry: 2h51
